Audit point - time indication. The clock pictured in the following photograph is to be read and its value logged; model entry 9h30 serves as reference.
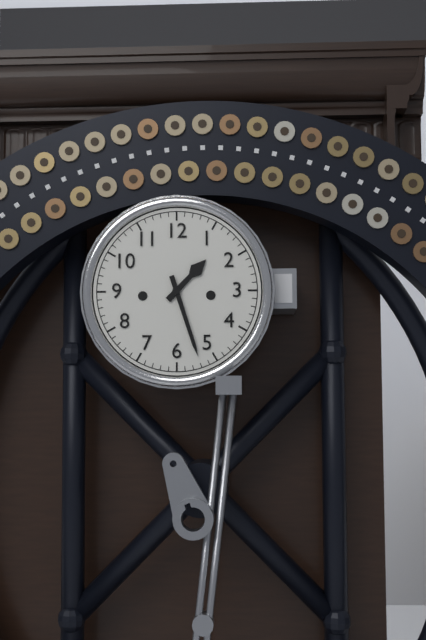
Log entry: 1h27
